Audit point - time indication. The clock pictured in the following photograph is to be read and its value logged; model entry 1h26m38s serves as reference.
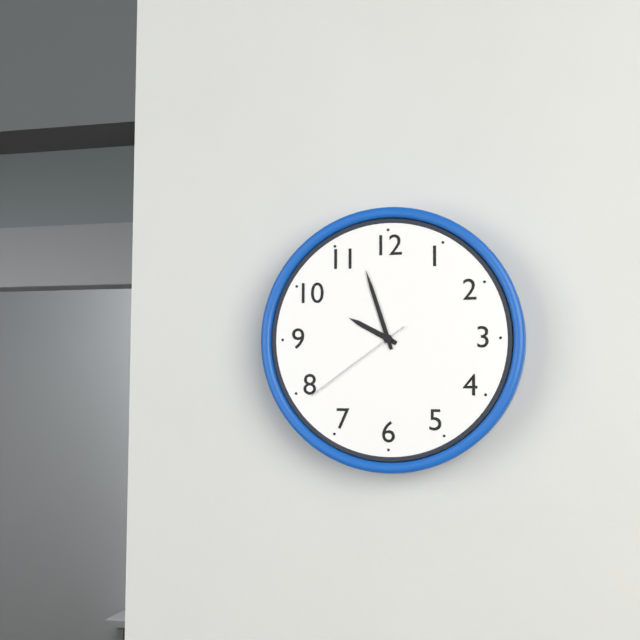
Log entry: 9h57m39s
